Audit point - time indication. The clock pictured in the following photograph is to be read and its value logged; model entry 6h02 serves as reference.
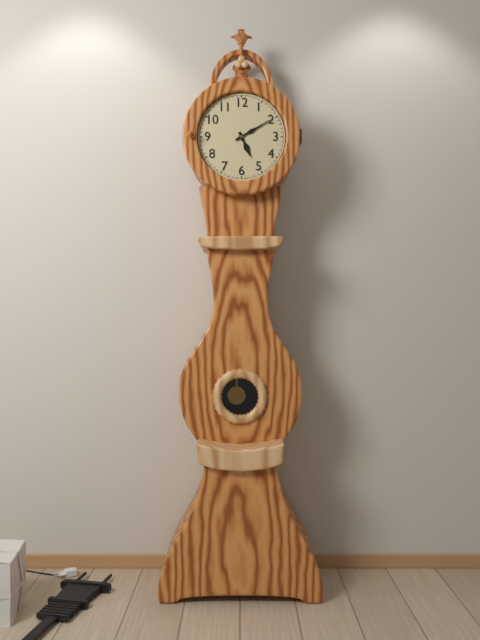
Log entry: 5h10
